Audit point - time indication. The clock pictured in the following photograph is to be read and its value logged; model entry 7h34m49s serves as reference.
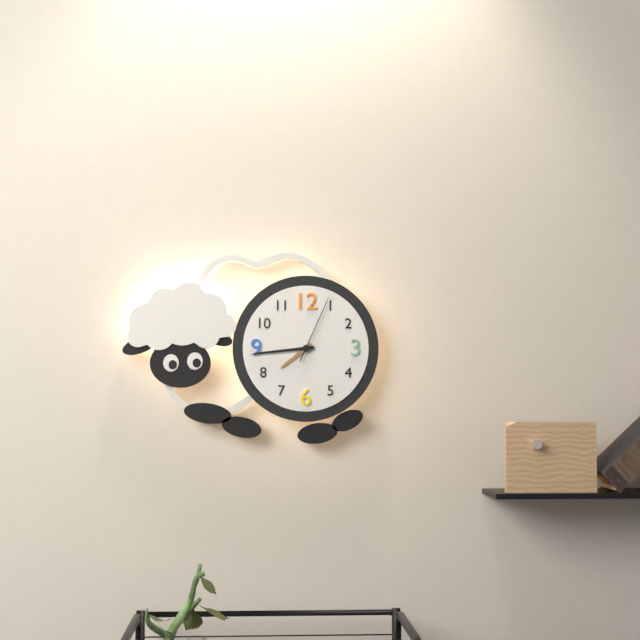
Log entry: 7h44m04s
